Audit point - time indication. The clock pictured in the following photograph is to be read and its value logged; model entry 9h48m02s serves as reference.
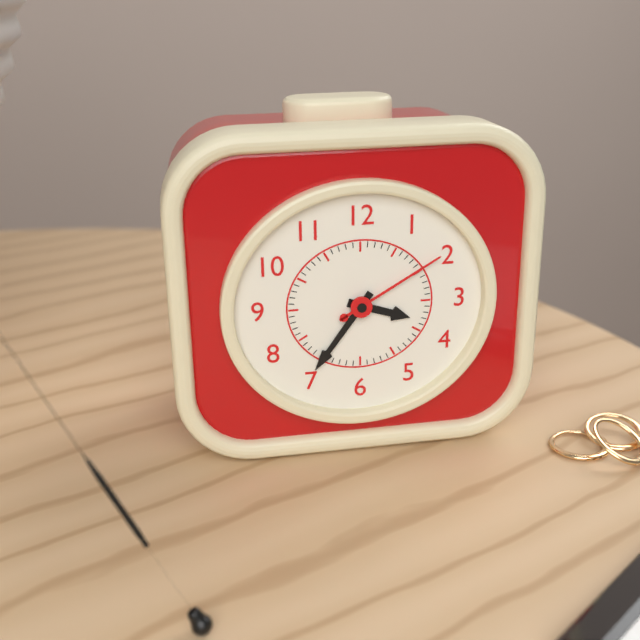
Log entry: 3h36m10s
